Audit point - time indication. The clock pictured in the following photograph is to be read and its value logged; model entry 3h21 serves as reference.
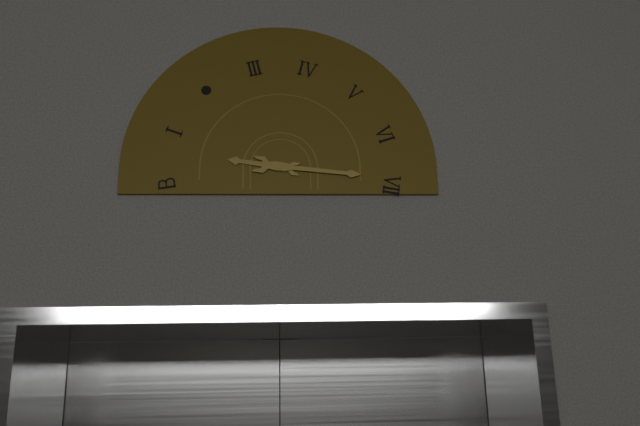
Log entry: 9h16
